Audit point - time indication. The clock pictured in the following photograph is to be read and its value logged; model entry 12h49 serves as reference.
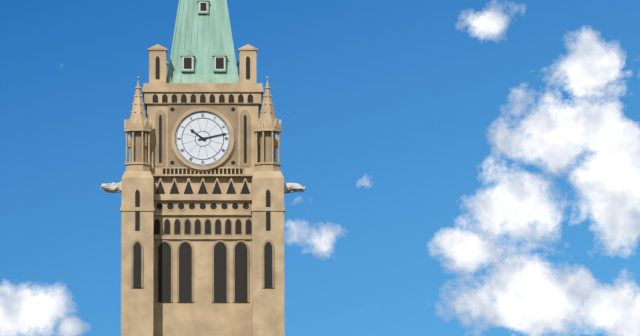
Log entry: 10h13
